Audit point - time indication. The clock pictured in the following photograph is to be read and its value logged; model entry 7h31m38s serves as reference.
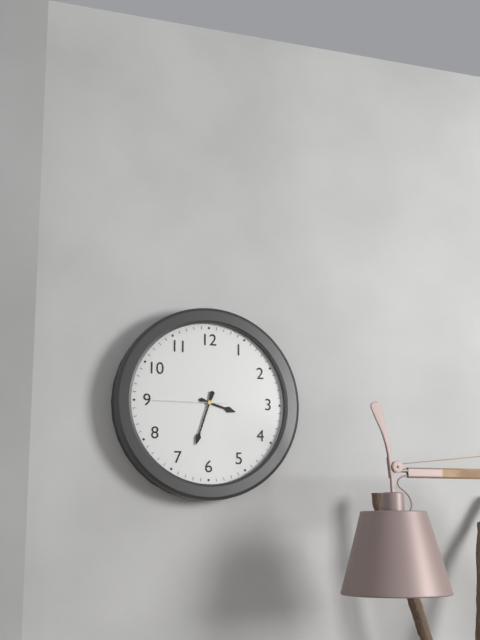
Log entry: 3h33m45s
